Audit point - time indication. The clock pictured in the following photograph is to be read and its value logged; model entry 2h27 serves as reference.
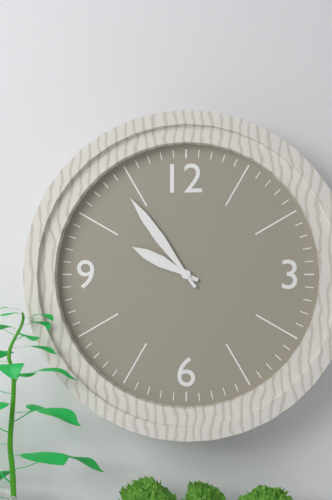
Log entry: 9h54
